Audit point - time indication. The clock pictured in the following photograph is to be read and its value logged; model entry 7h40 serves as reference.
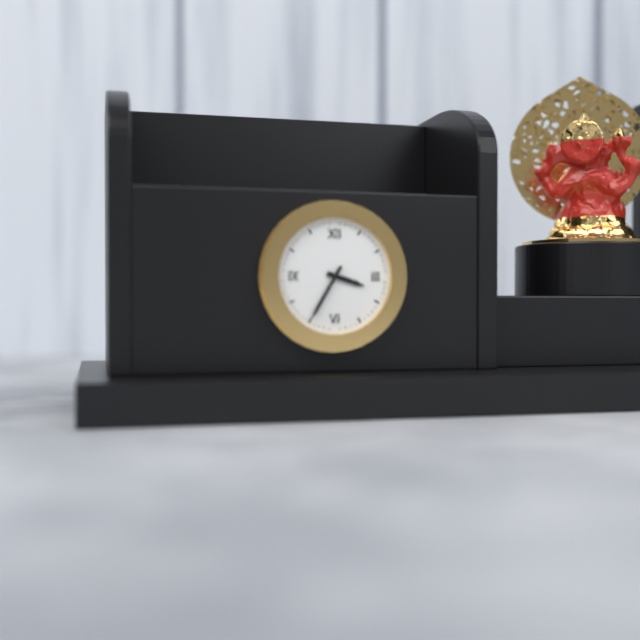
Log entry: 3h35
